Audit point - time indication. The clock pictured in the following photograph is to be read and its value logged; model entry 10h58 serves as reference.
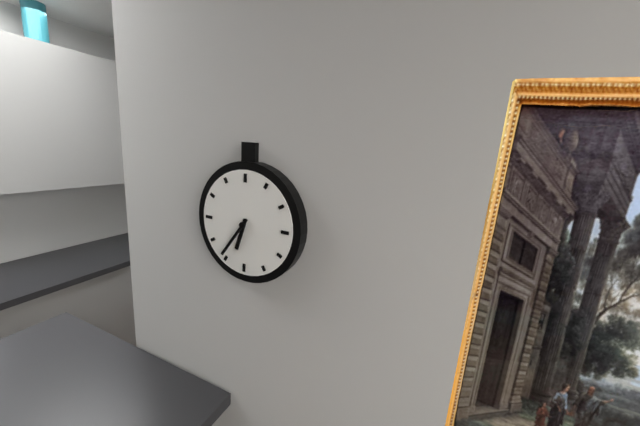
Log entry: 6h36
